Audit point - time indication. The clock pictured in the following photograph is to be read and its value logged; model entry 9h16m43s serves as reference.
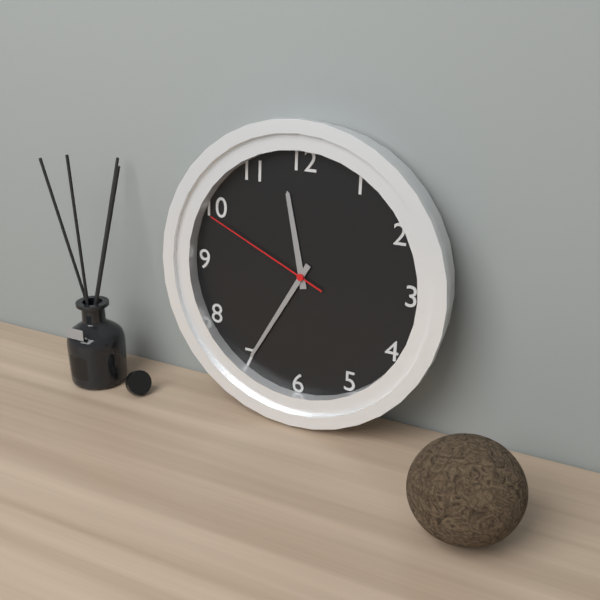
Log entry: 11h35m49s
